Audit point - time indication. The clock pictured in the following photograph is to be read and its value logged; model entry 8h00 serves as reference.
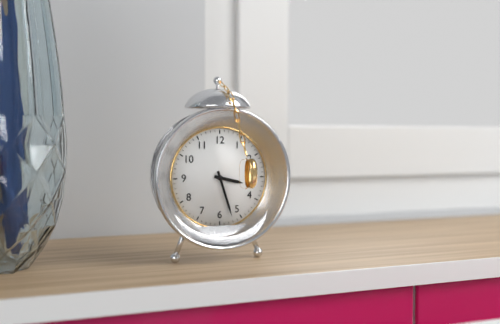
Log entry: 3h27
